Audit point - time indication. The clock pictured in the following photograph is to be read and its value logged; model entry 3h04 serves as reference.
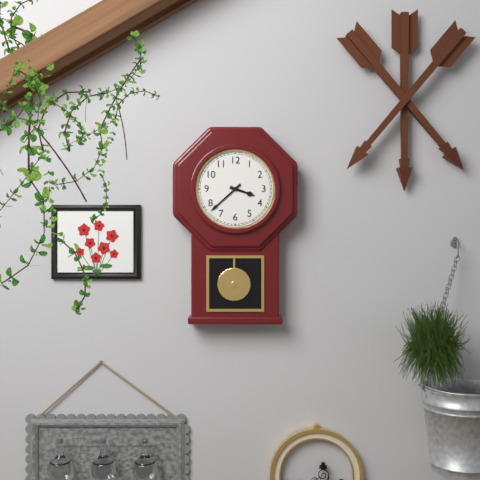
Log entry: 3h38
